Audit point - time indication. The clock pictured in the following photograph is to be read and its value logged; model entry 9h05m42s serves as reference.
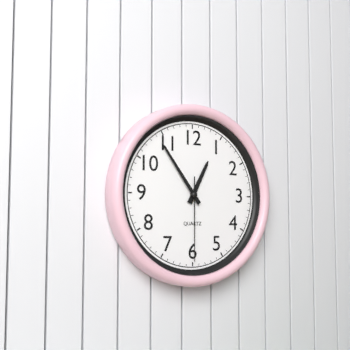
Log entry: 12h54m30s
